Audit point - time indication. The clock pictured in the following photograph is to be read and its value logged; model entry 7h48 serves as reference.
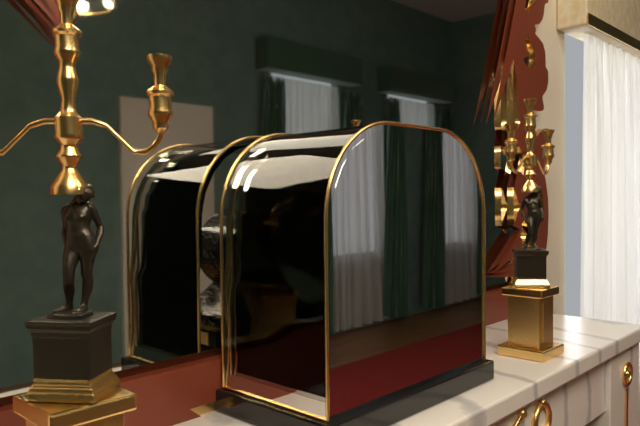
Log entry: 4h40
